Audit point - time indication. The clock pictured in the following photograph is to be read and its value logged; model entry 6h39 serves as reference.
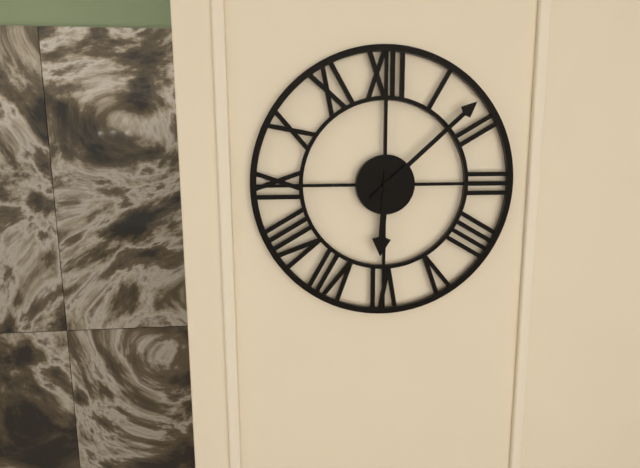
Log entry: 6h08
